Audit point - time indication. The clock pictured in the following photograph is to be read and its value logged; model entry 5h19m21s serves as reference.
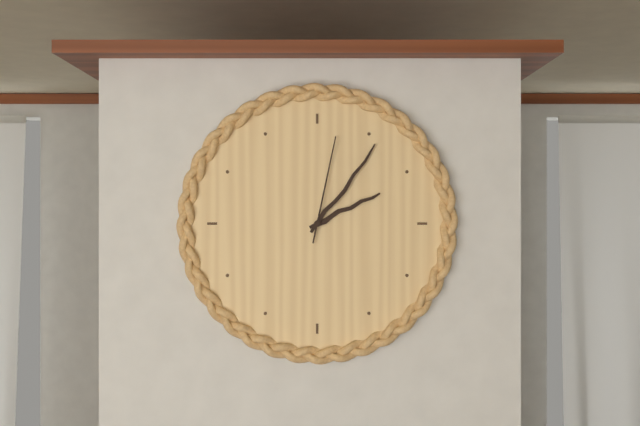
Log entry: 2h06m02s
